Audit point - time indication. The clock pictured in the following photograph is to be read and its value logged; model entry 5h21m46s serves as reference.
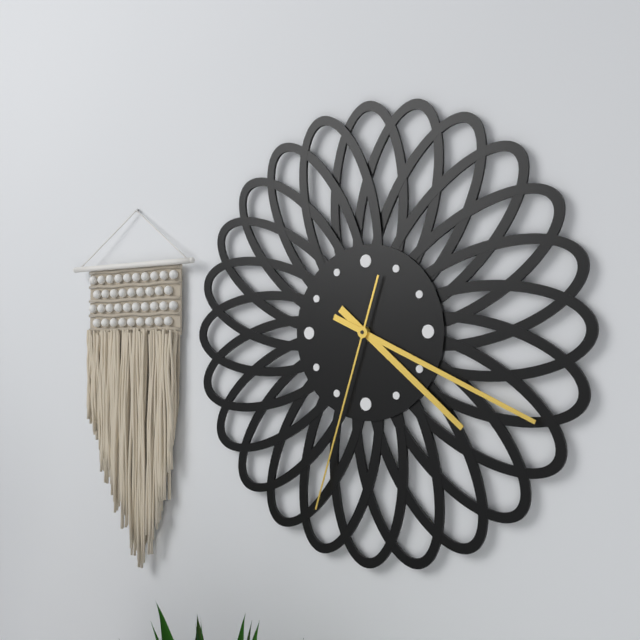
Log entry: 4h19m33s
